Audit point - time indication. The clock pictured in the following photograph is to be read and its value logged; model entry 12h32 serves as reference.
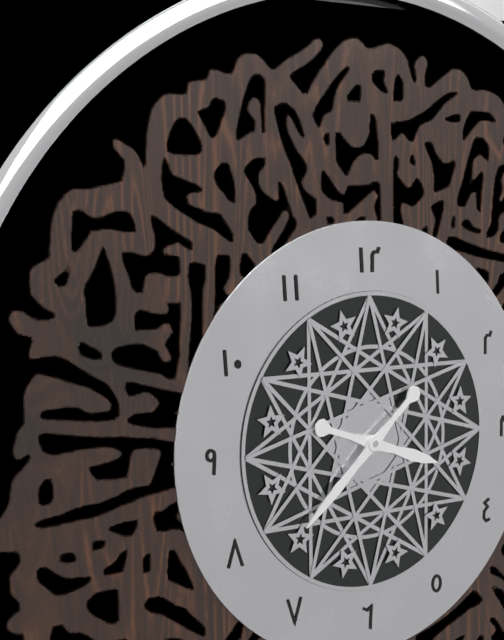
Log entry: 3h38
